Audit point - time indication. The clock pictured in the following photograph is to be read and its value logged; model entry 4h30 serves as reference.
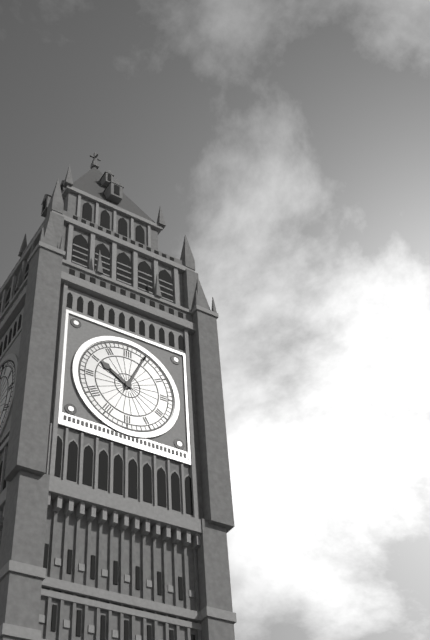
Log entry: 10h04
